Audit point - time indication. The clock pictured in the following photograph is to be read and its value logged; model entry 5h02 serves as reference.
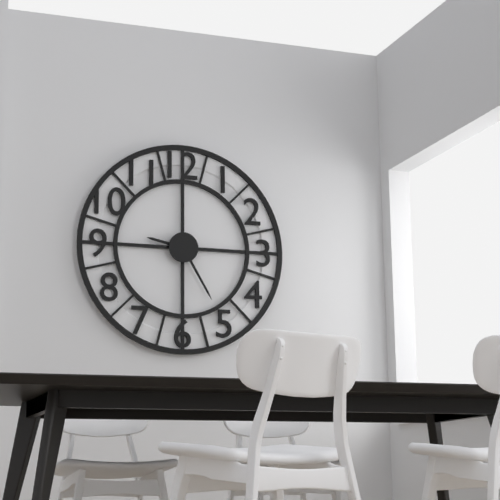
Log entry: 9h25
